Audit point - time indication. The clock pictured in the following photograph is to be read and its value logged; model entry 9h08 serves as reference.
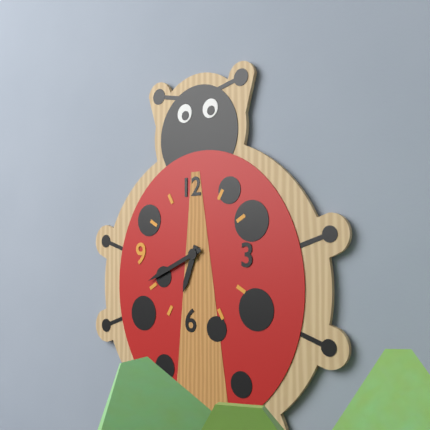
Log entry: 6h41
